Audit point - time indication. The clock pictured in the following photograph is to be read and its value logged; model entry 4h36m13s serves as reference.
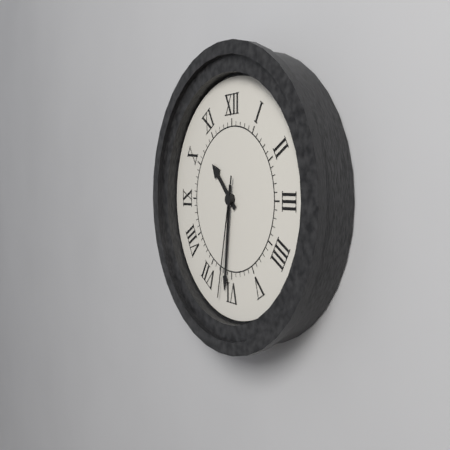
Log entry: 10h31m32s
